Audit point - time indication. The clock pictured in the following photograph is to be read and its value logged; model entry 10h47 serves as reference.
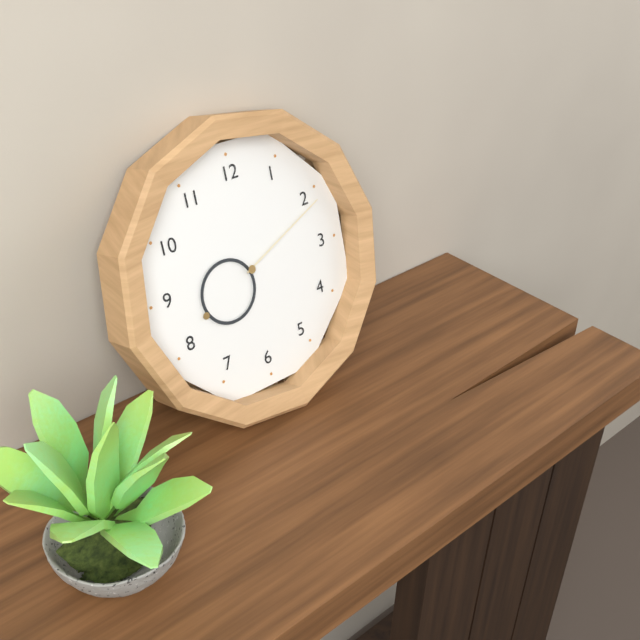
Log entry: 8h11
